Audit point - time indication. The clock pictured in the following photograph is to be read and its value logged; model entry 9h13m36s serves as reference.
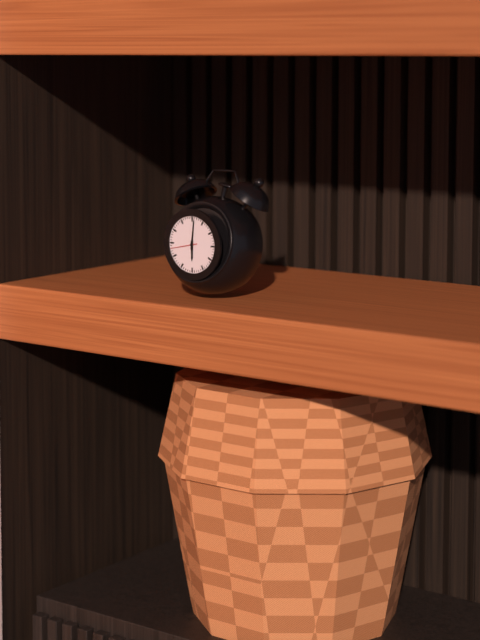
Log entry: 6h01m43s
